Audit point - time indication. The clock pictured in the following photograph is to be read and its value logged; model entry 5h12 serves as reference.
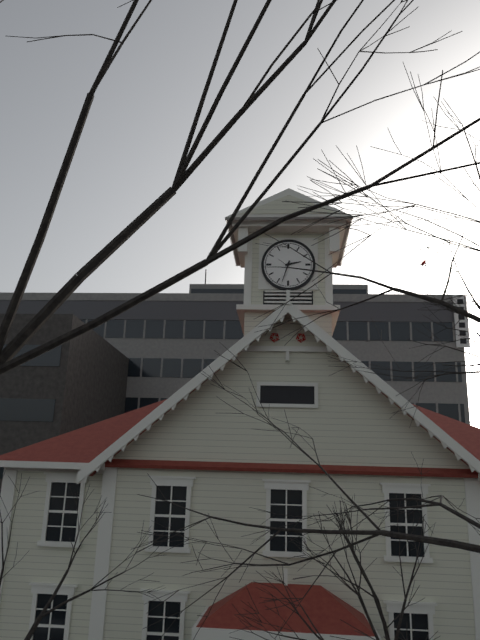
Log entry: 2h33
